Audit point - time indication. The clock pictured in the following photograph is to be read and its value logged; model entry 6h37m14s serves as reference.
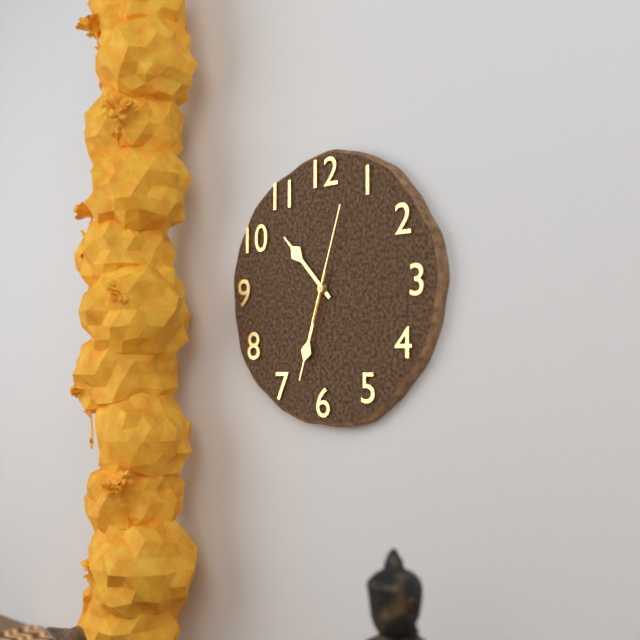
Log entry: 10h33m03s
